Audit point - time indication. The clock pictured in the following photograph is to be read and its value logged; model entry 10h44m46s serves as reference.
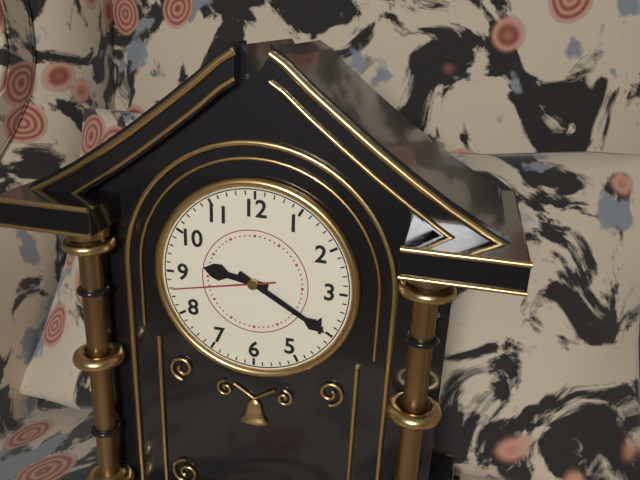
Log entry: 9h20m43s
